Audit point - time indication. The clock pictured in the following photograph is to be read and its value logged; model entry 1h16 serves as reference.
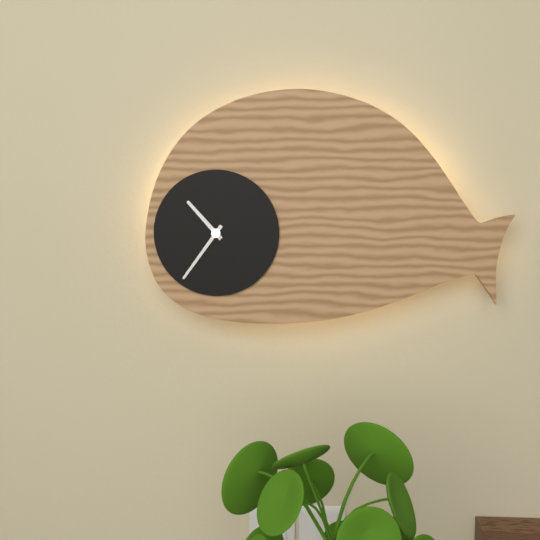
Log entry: 10h36
